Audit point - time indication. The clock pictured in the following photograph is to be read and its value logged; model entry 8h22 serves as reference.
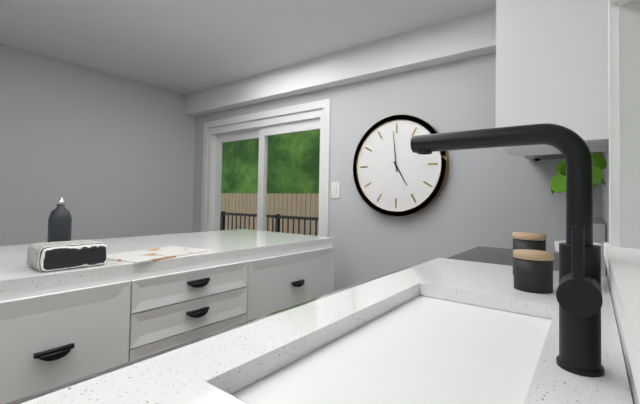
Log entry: 4h59
